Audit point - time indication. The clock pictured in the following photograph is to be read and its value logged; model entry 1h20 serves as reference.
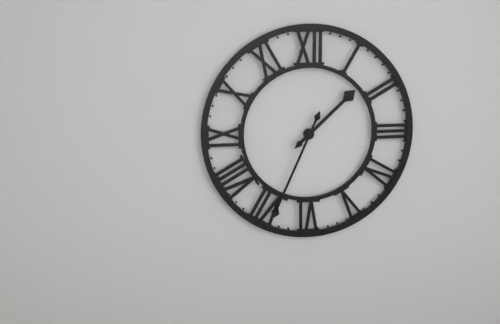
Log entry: 1h34
